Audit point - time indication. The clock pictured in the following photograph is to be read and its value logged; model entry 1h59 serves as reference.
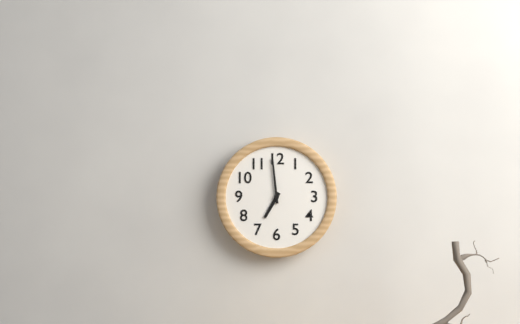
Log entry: 6h59
